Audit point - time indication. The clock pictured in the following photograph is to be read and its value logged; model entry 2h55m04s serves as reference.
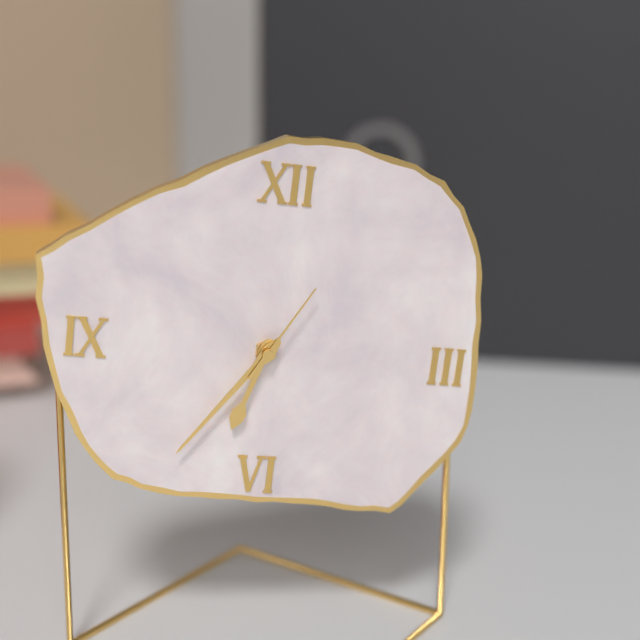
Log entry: 6h36m05s
